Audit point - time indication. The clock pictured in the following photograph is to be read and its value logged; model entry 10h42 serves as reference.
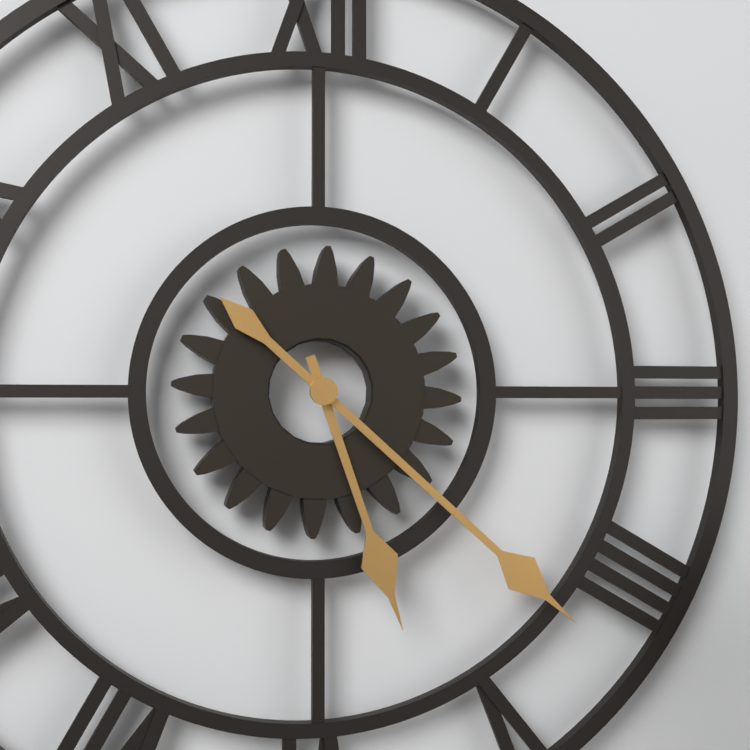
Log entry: 5h22
